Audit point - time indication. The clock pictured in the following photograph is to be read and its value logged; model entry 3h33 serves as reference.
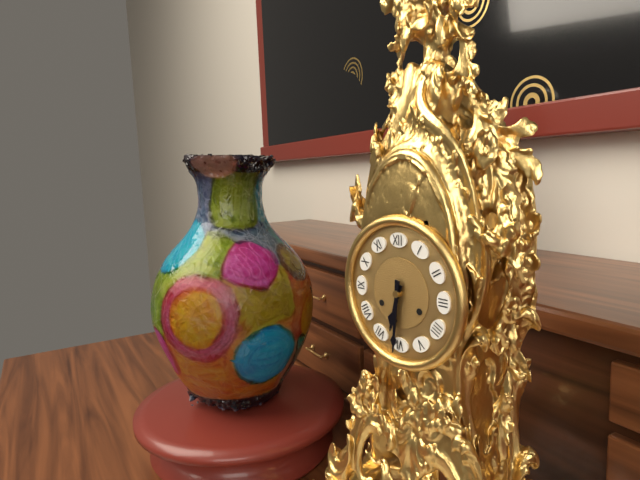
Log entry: 6h31
